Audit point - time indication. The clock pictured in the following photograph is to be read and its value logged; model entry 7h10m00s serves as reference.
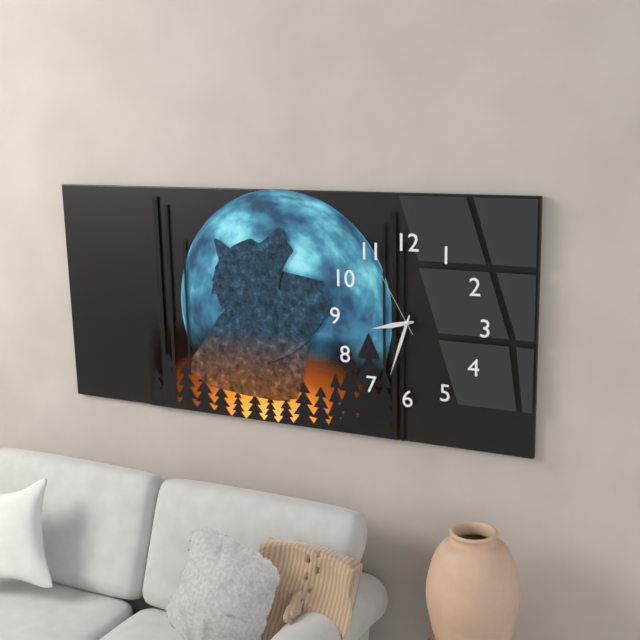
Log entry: 8h33m55s
